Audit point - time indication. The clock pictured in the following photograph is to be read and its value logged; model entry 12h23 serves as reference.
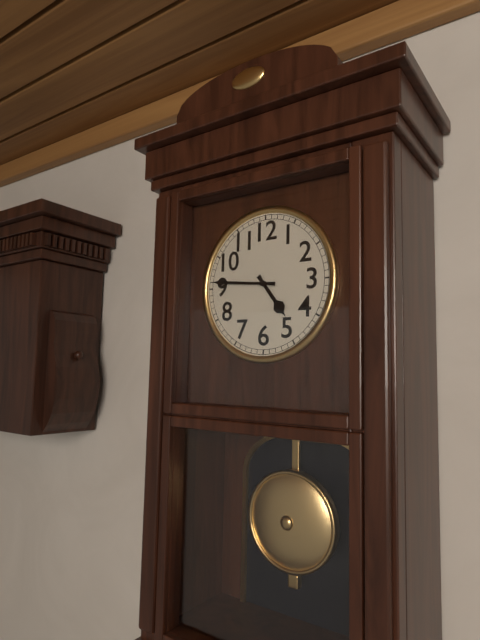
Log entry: 4h46
